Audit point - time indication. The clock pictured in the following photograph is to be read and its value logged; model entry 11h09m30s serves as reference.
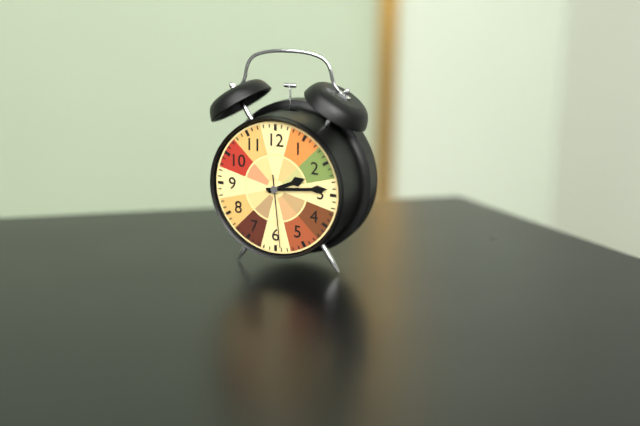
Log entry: 2h14m29s
